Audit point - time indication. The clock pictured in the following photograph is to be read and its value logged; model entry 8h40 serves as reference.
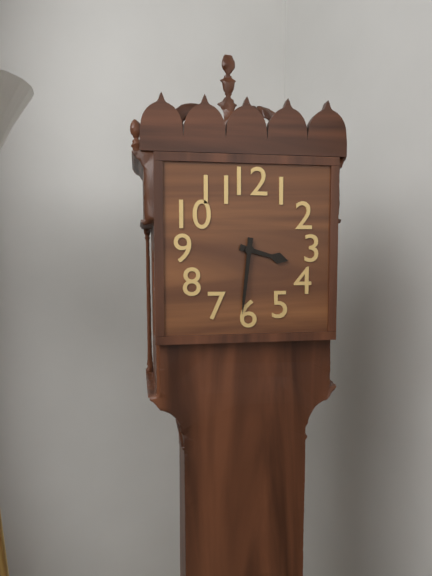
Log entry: 3h31
